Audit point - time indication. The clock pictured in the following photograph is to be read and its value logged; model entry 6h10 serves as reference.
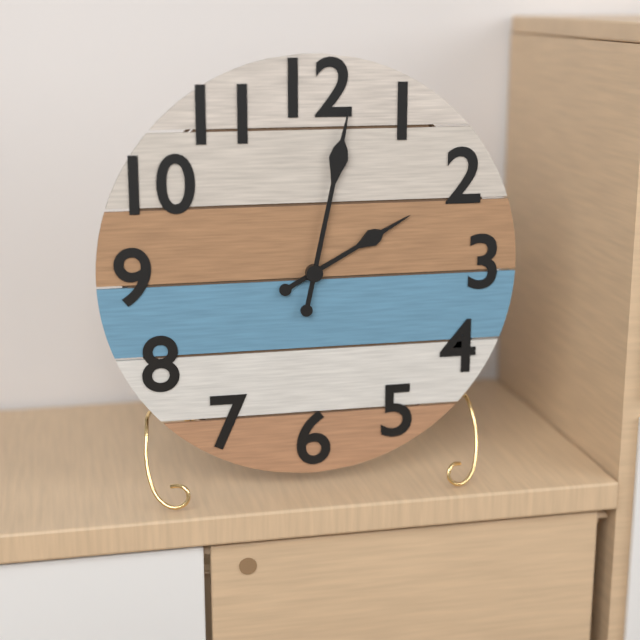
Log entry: 2h02
